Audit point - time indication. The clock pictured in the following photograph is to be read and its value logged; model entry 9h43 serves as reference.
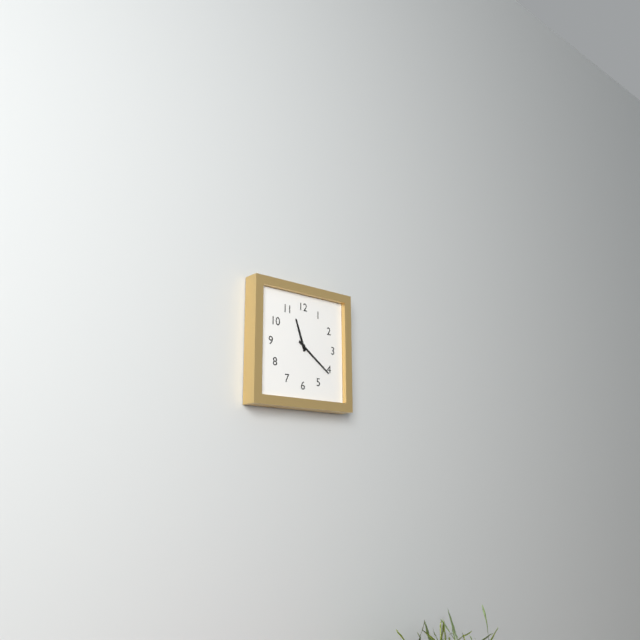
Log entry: 11h21
